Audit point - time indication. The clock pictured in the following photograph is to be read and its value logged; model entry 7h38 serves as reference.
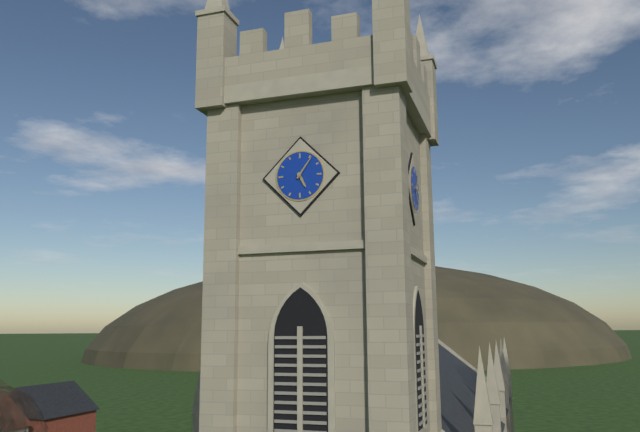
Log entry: 5h06
